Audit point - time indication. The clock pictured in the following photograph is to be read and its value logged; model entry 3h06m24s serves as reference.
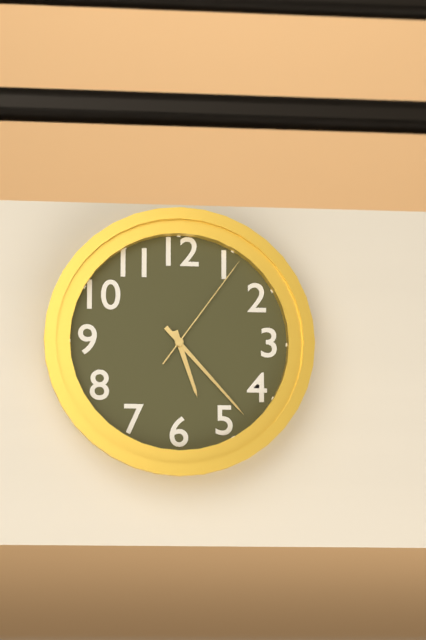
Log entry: 5h23m06s
